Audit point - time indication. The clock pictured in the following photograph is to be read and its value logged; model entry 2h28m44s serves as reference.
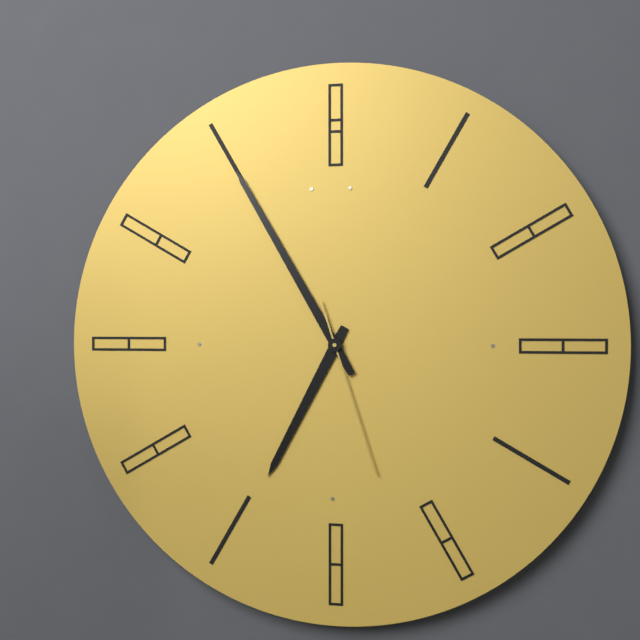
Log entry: 6h55m27s
